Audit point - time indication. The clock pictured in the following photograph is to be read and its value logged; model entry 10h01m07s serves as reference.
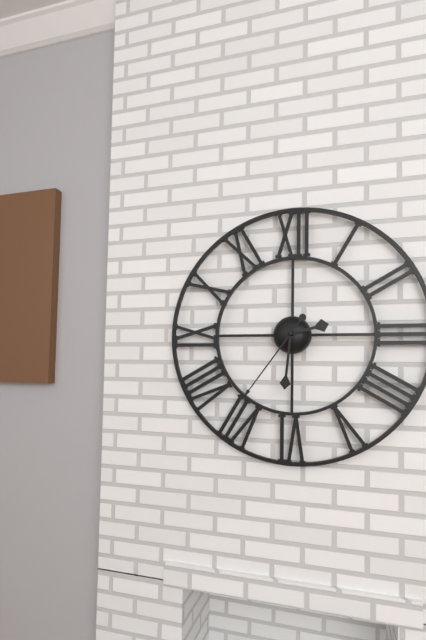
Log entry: 2h31m36s
